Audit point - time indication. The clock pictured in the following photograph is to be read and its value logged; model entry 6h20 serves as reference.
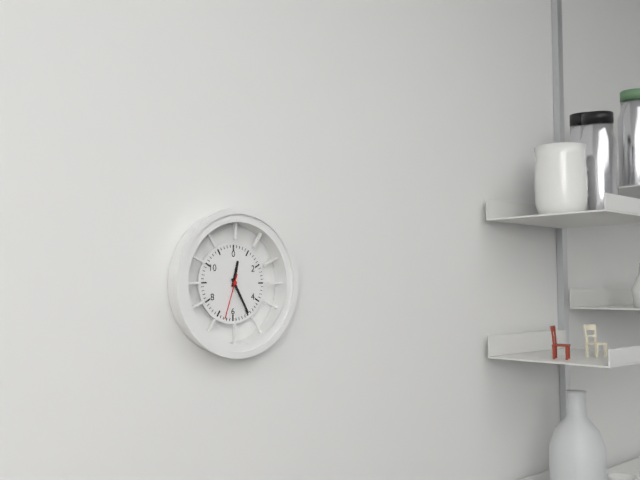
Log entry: 12h25
